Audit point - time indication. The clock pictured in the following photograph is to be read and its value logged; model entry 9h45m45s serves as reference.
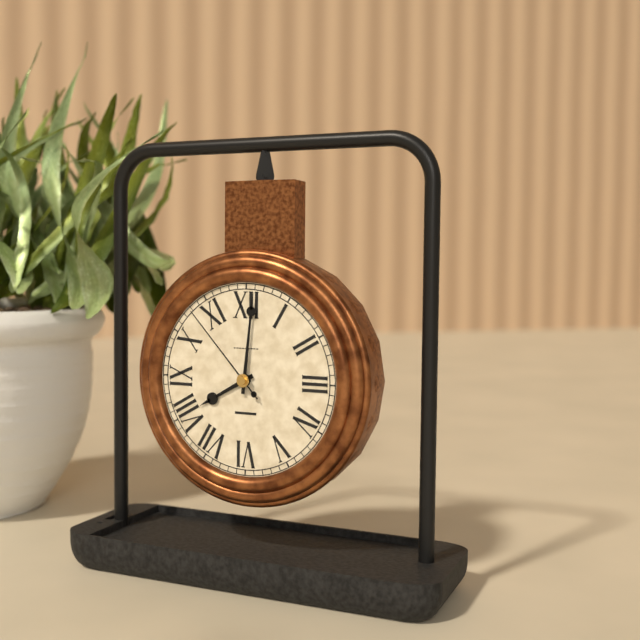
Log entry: 8h01m53s
